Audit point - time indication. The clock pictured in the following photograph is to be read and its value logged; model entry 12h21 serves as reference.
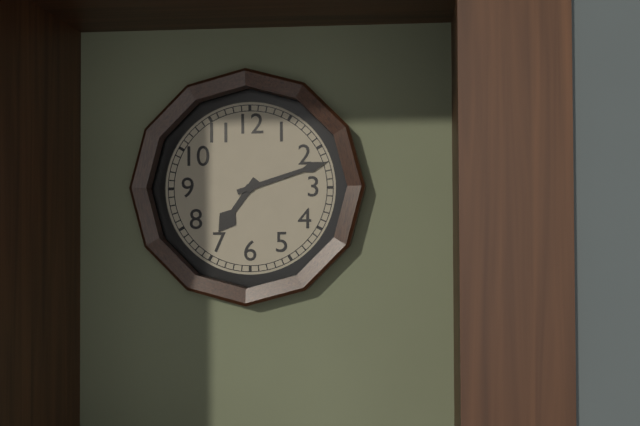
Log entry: 7h12
